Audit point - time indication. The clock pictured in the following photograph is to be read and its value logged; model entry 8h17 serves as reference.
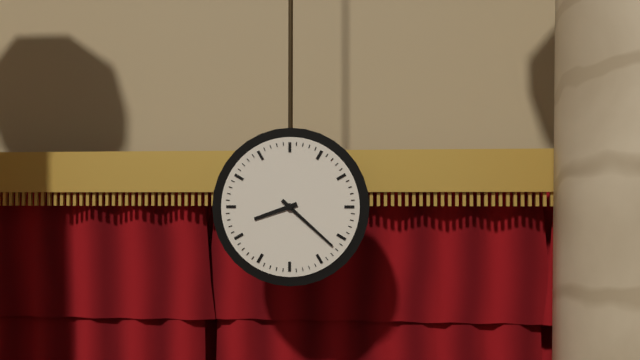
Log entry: 8h22
